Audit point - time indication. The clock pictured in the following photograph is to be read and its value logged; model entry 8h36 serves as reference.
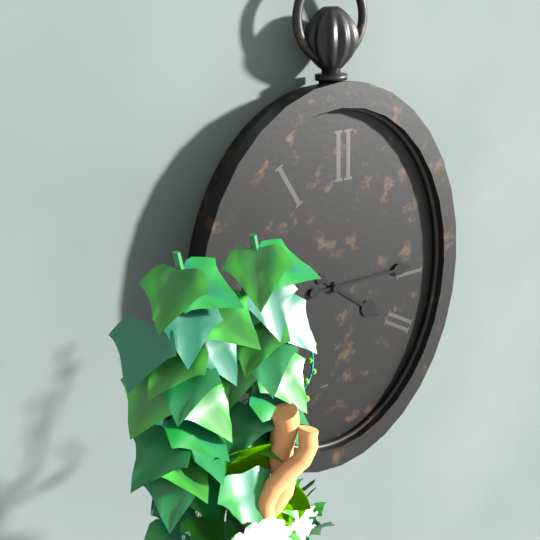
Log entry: 4h15
